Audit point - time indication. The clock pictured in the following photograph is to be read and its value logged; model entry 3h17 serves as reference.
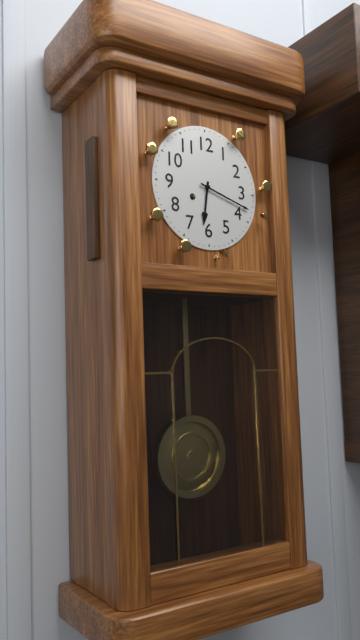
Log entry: 6h18
